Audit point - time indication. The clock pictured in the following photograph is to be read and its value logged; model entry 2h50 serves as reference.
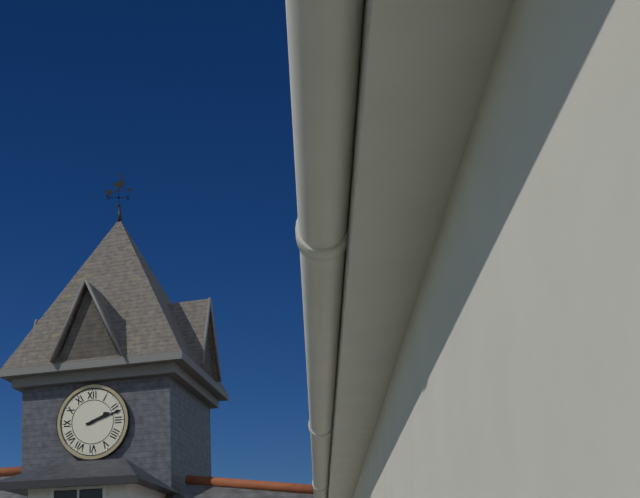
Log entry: 2h12
